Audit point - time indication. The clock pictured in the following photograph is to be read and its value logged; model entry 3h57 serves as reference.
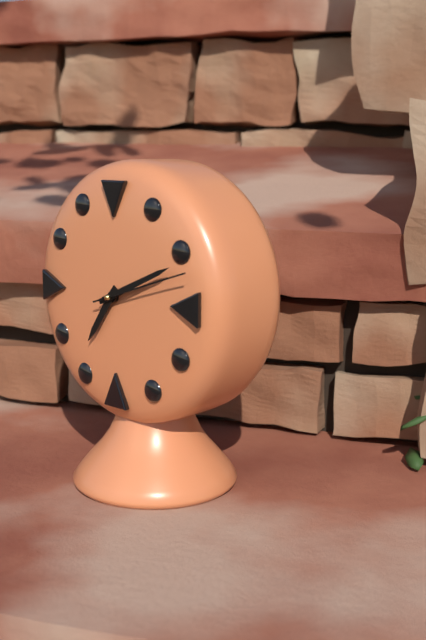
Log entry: 7h11
